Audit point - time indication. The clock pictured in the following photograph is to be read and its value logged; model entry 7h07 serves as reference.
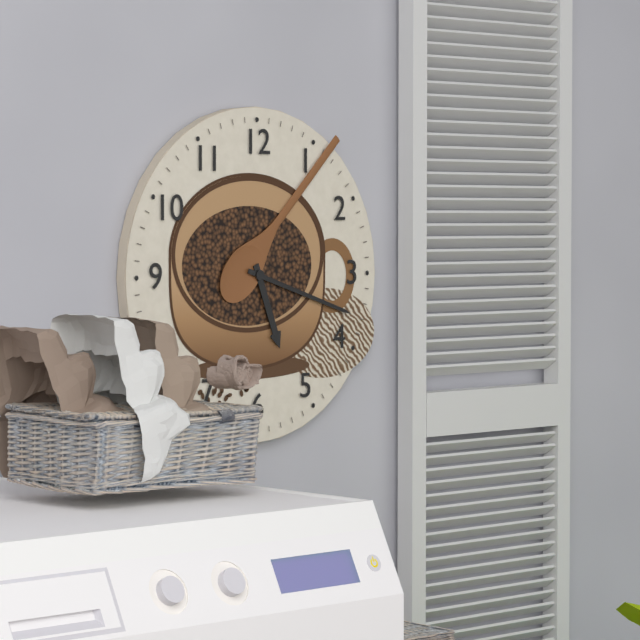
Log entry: 5h18
